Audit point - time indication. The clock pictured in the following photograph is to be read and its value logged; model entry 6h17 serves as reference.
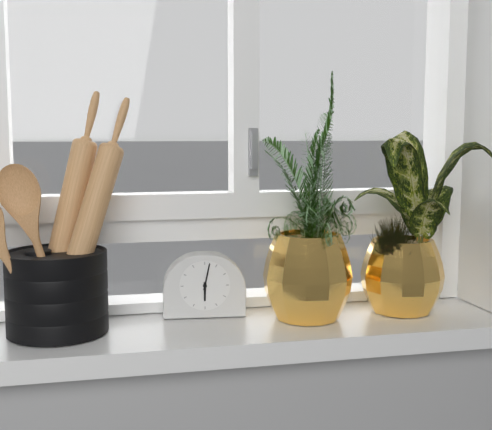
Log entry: 6h02
